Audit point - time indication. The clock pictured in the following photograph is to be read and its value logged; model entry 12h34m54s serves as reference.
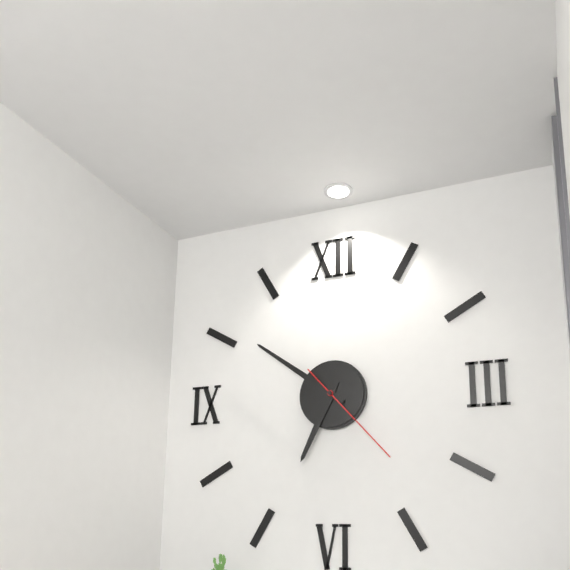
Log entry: 6h51m23s
